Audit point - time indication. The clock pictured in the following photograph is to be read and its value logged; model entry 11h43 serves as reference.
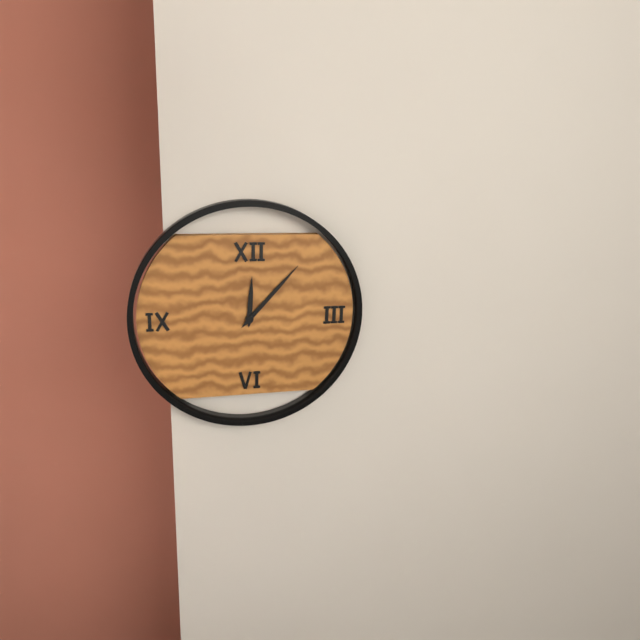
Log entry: 12h07
